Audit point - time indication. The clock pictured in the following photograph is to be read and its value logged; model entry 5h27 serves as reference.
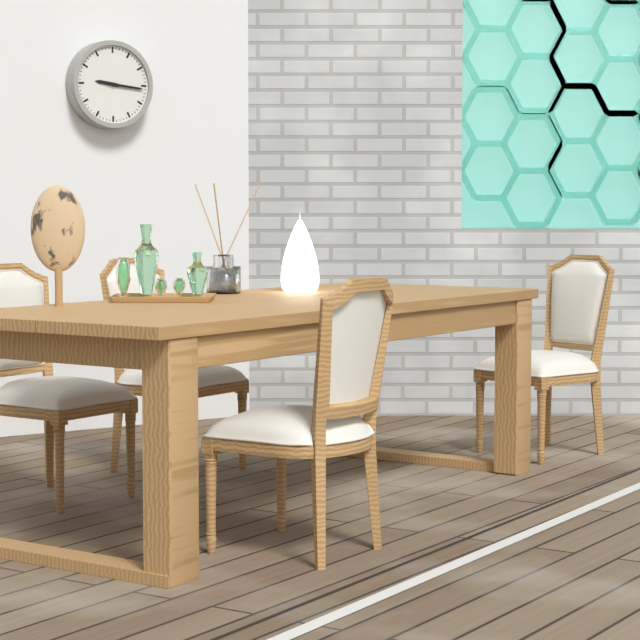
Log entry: 9h16
